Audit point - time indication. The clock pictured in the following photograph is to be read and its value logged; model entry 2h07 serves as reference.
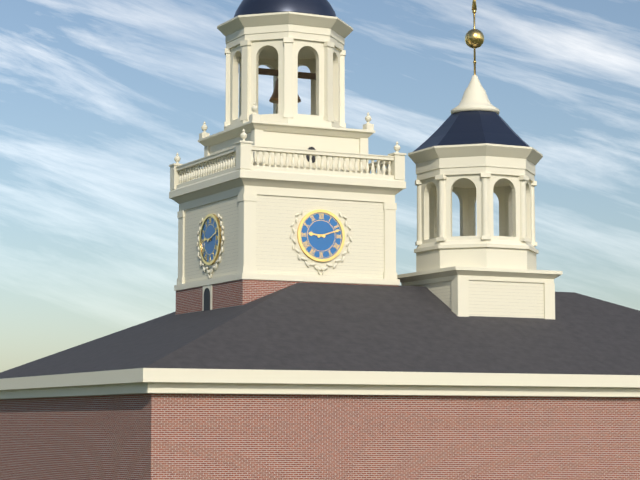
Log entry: 9h12
